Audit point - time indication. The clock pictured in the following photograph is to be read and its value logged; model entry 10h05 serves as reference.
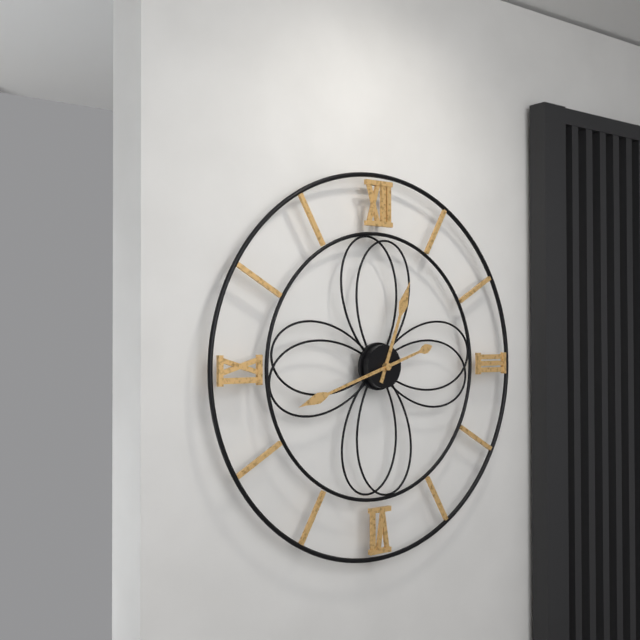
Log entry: 12h42
